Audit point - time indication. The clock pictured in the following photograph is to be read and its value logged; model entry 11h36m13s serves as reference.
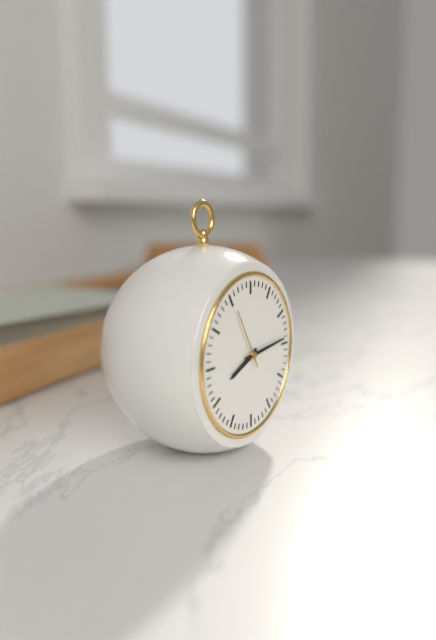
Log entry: 8h14m55s
